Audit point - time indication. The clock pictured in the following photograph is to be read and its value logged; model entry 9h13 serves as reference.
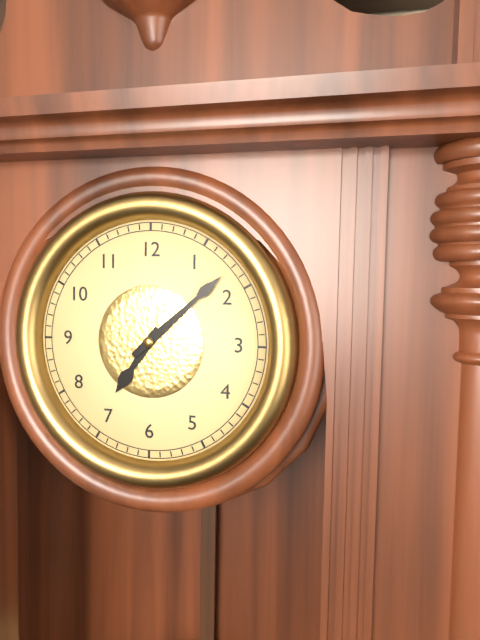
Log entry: 7h08
